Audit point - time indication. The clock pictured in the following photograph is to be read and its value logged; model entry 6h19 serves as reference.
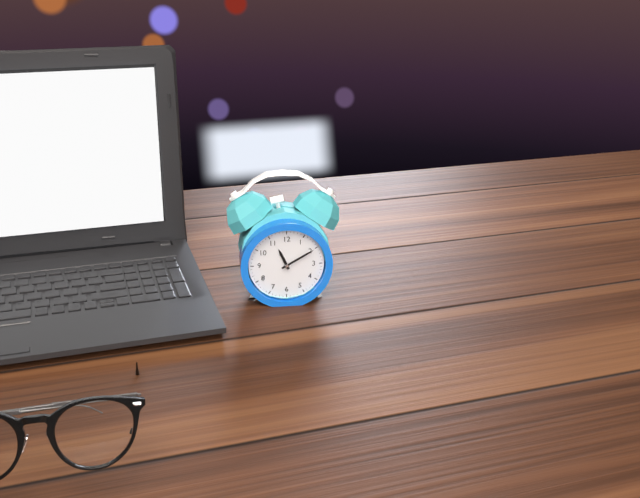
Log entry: 11h10
